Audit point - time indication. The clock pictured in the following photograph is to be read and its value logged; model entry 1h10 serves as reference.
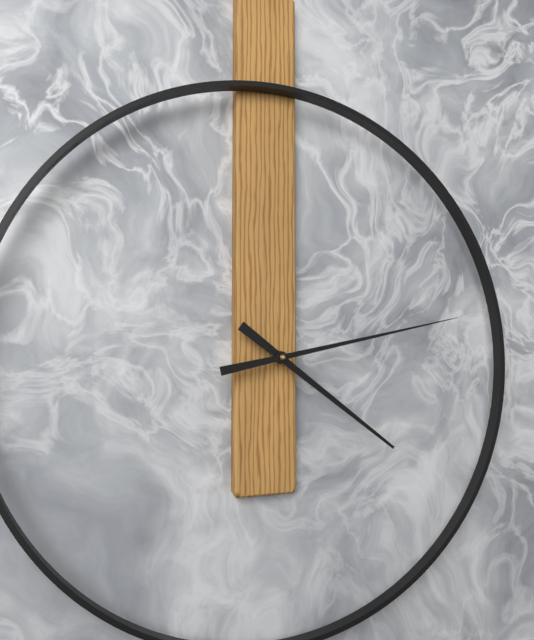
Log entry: 4h13
